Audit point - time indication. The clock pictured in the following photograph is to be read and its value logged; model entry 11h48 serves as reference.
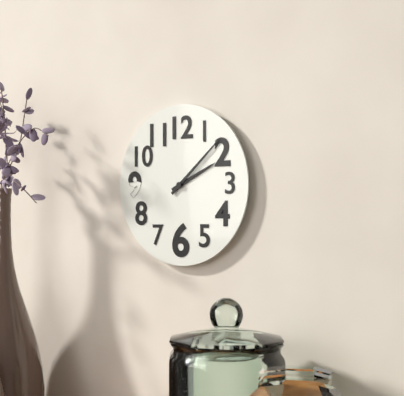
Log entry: 2h08
